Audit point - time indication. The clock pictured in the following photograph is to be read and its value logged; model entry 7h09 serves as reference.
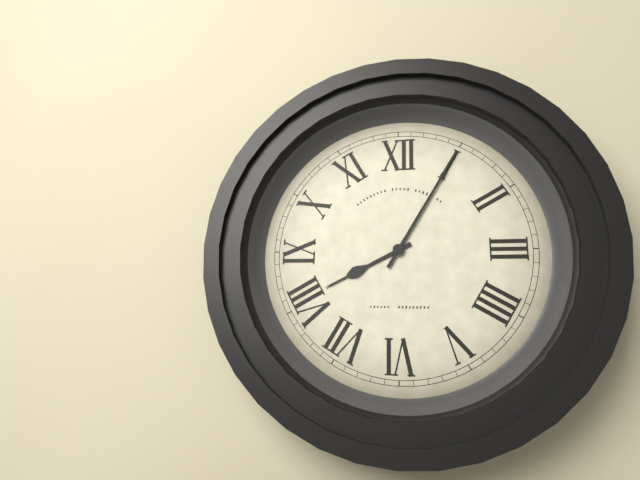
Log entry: 8h05
